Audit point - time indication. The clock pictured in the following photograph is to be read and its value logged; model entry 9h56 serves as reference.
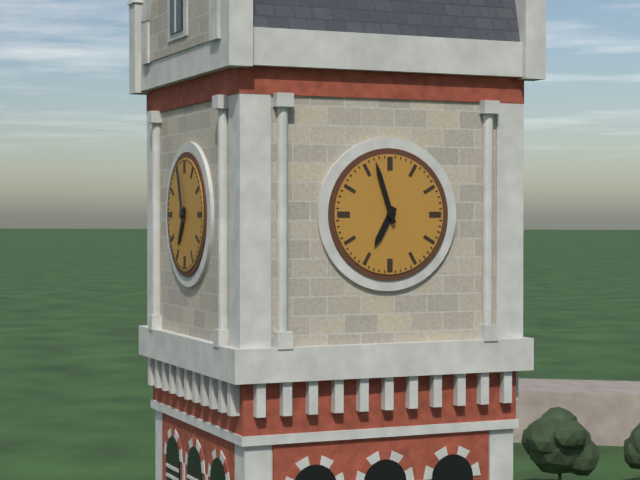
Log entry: 6h57
